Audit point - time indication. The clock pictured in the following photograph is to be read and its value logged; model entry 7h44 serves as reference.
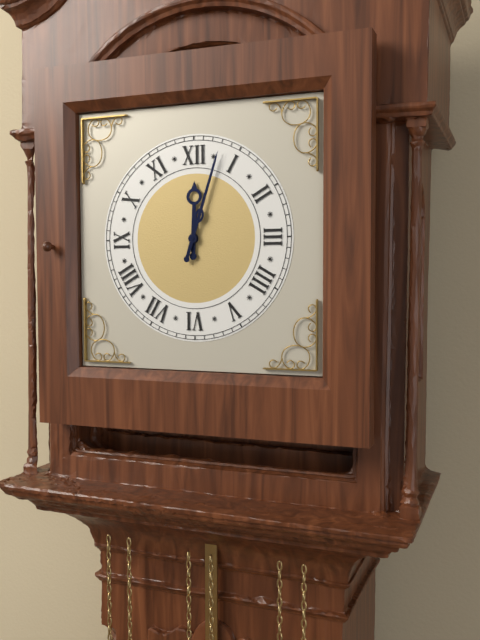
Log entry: 12h03
